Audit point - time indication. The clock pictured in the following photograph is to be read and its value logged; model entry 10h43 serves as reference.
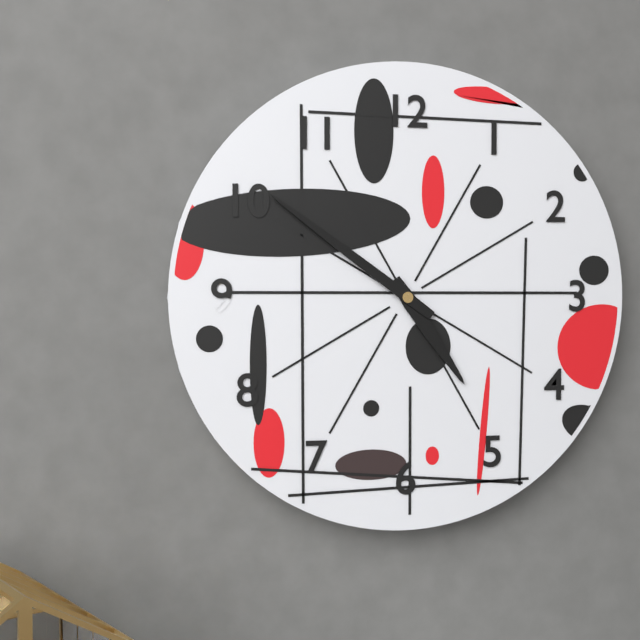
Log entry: 4h51
